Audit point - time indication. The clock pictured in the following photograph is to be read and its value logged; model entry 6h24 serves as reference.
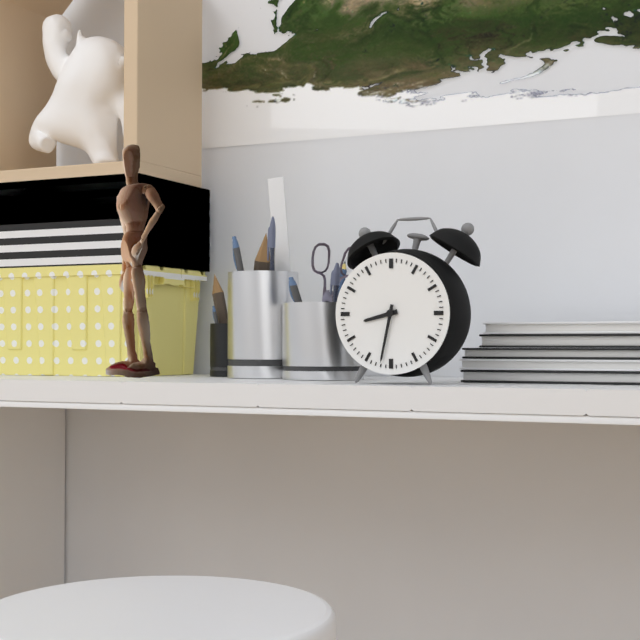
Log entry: 8h32
